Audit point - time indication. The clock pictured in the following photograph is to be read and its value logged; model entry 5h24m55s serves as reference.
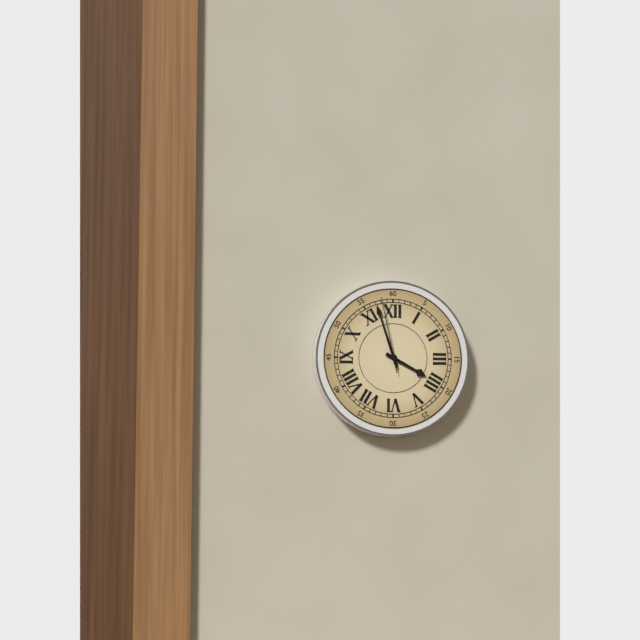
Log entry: 3h57m58s
